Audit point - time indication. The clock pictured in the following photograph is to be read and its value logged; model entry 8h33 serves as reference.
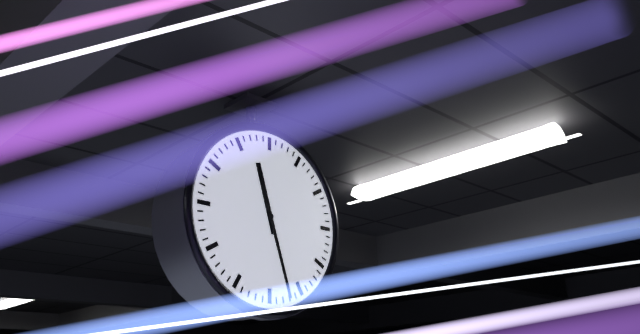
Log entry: 11h27
